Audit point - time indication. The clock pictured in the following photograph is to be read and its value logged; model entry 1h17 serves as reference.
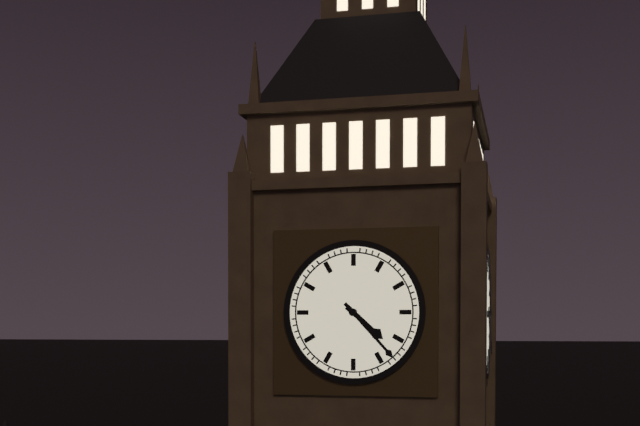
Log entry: 4h23
